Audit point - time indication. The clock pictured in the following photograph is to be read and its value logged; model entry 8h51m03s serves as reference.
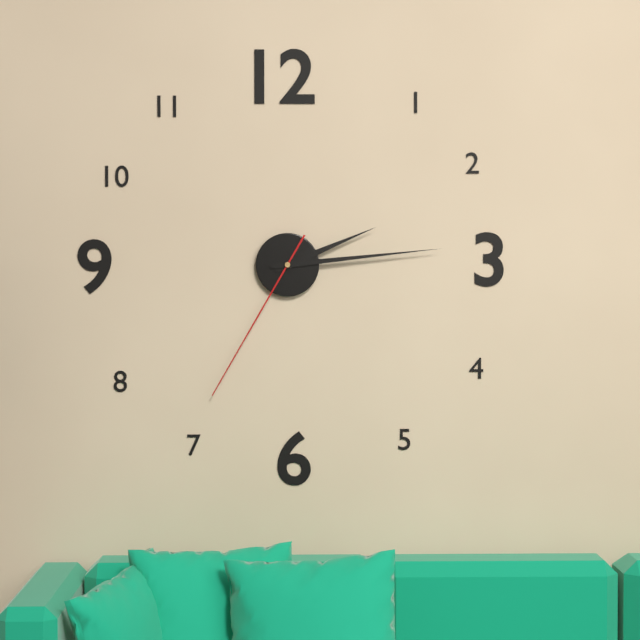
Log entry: 2h14m35s
